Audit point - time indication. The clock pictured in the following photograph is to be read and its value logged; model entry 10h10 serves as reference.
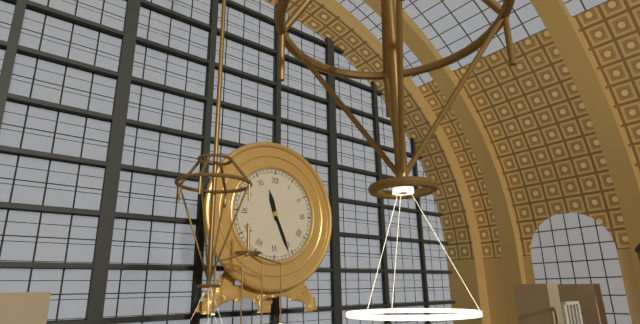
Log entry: 11h26
